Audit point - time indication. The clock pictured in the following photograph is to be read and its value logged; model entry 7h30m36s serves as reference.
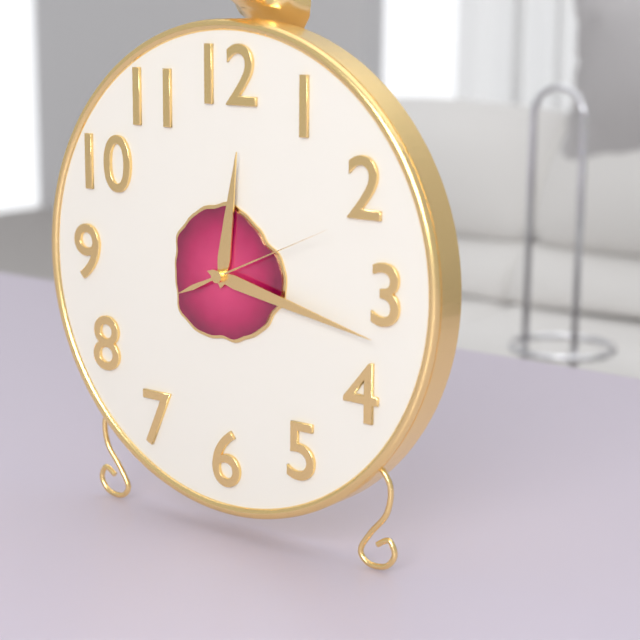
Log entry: 12h17m11s
